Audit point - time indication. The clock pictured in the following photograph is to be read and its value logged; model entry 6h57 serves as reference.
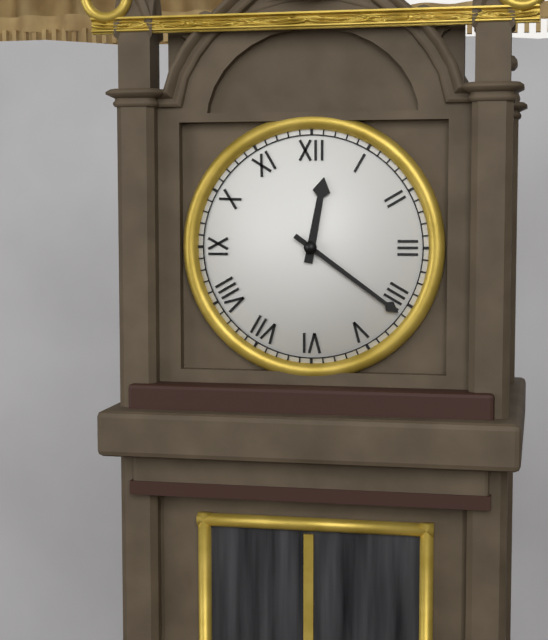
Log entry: 12h21
